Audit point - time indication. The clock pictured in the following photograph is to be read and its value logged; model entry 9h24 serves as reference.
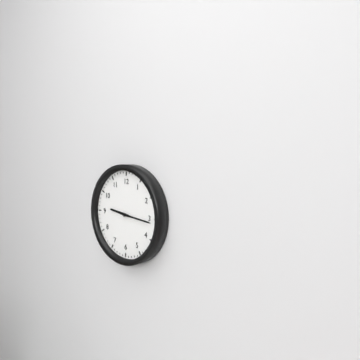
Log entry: 9h16
